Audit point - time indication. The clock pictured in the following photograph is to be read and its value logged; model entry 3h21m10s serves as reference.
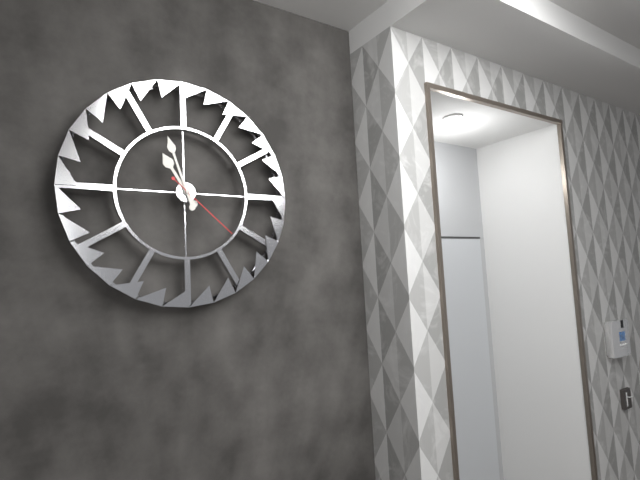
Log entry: 10h57m22s
